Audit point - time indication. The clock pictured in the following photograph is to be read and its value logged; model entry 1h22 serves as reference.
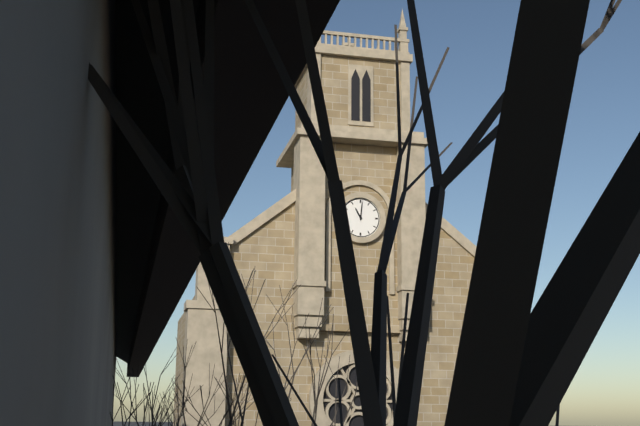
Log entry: 11h01
